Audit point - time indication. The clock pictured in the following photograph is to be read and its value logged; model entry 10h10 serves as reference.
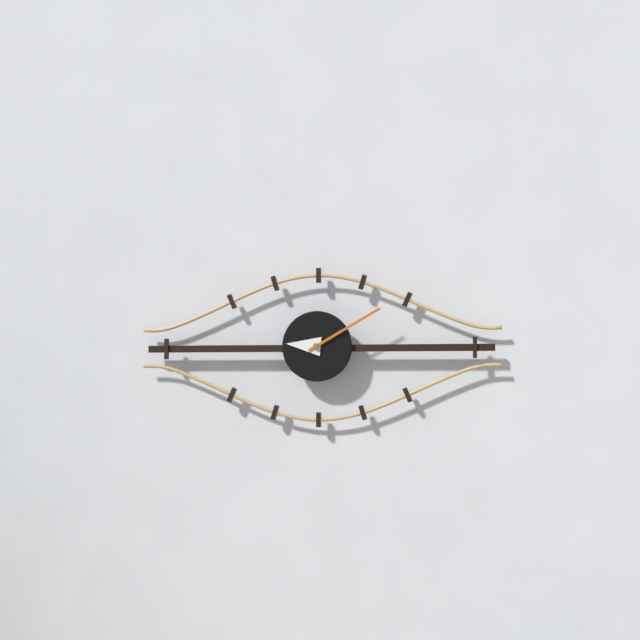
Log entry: 9h10
